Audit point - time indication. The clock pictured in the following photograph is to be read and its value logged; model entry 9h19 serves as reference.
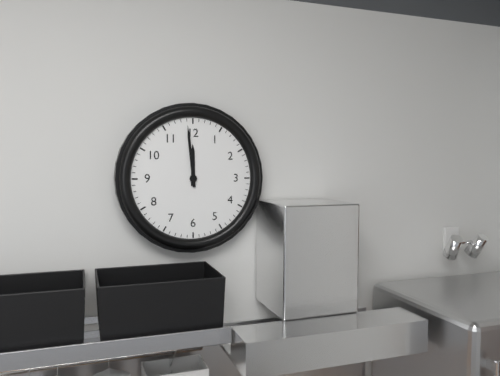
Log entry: 11h59
